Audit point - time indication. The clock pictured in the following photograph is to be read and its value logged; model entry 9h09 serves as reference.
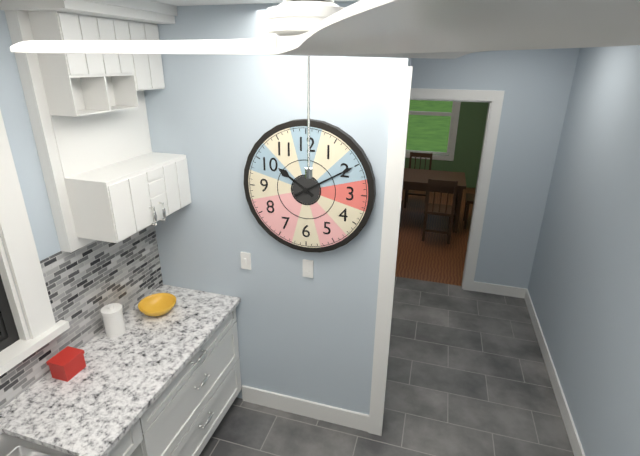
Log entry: 10h10
